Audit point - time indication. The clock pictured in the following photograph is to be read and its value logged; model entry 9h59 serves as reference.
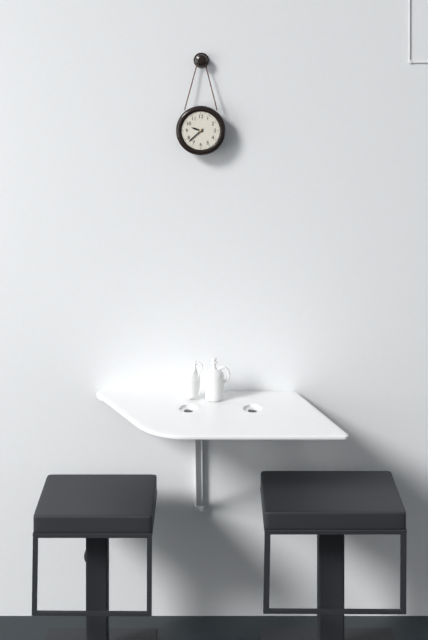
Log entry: 9h38
